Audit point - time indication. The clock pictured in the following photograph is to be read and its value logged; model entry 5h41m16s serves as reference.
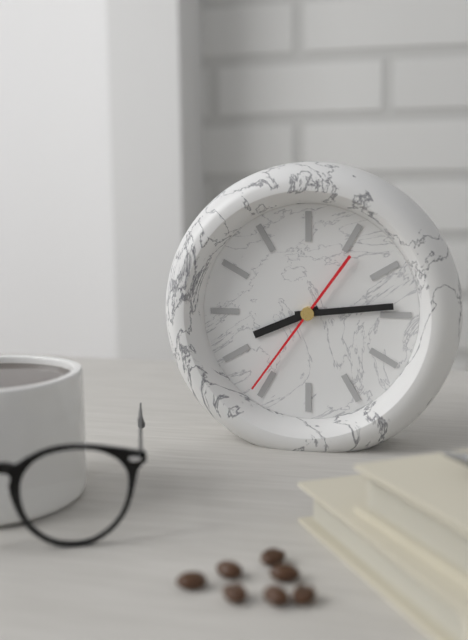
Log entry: 8h14m36s
